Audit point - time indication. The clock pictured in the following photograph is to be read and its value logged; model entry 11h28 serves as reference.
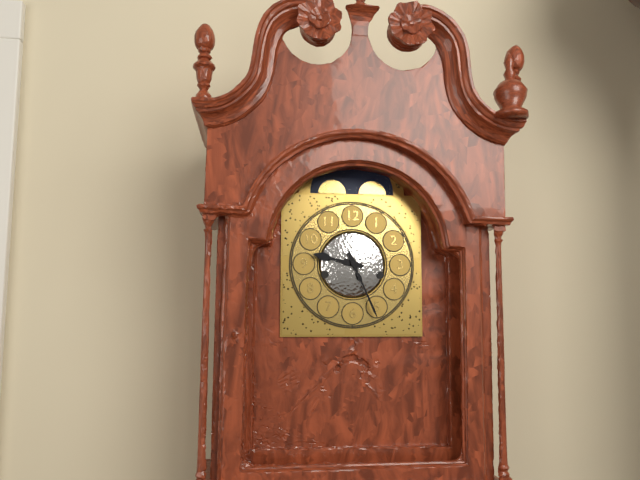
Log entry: 9h26
